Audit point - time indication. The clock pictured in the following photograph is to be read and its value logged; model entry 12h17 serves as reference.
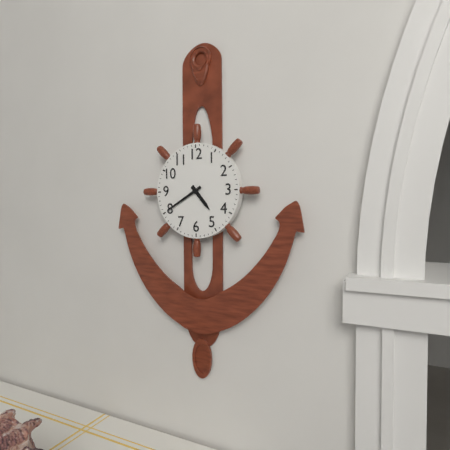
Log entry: 4h40
